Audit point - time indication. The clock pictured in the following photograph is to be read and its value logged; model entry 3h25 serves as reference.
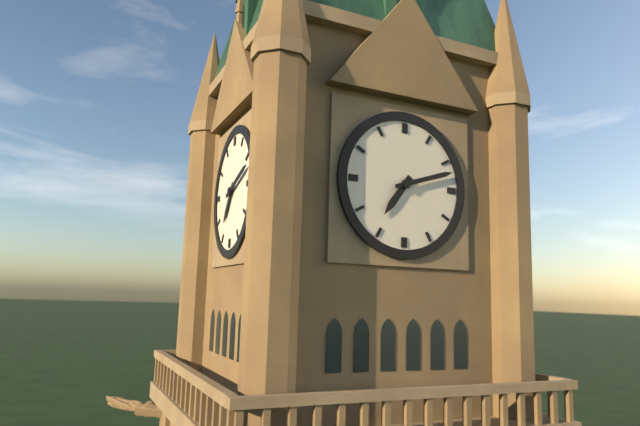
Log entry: 7h12
